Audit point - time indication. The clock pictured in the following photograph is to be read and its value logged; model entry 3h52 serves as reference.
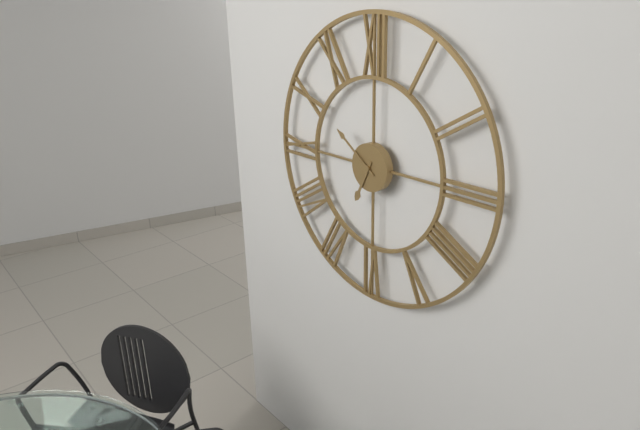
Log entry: 6h51
